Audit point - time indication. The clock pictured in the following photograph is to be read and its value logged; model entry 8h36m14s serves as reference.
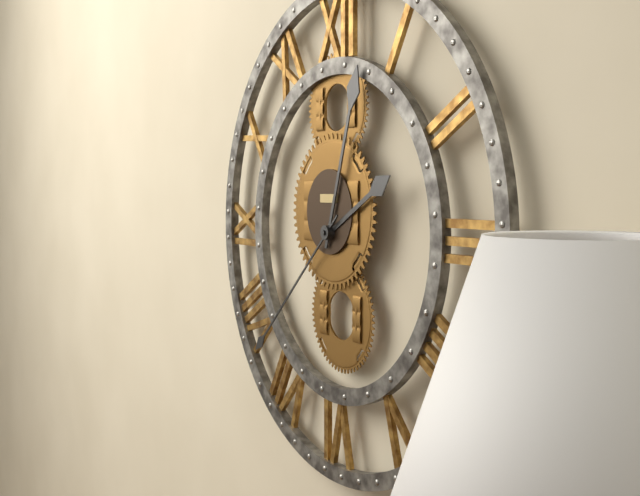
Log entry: 2h03m38s
